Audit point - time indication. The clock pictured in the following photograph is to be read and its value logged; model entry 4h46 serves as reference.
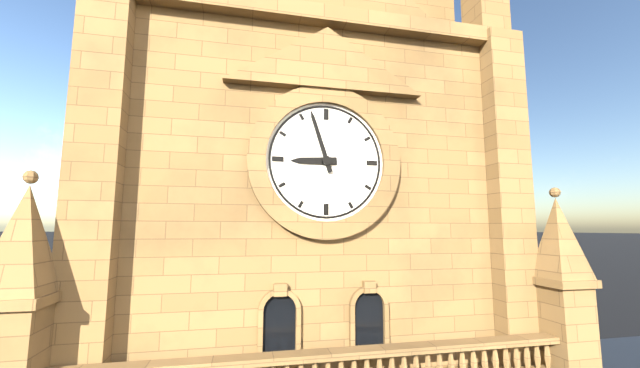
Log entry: 8h57
